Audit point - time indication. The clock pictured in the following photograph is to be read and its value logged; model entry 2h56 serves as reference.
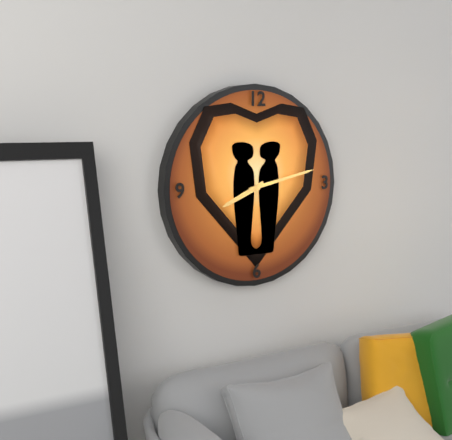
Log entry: 8h13
